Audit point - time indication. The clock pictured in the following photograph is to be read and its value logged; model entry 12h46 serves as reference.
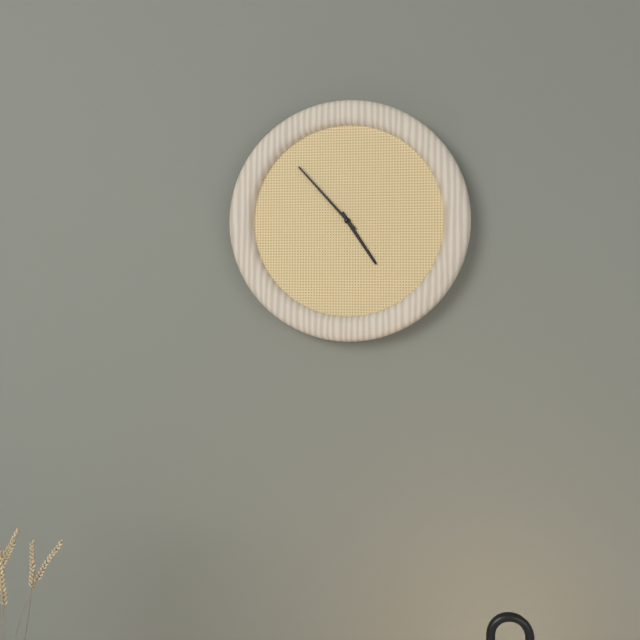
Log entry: 4h53
